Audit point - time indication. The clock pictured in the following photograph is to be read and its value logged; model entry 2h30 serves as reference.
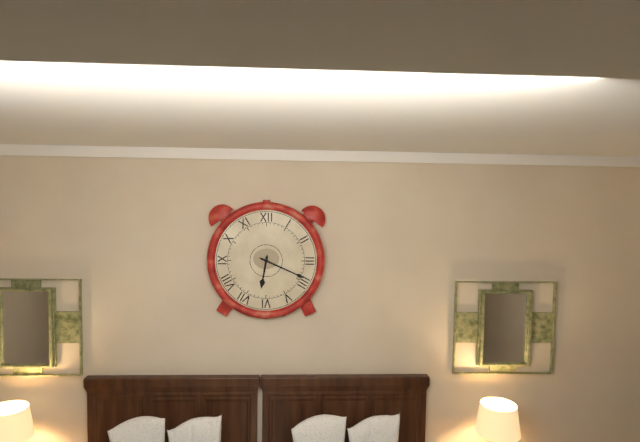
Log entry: 6h19
